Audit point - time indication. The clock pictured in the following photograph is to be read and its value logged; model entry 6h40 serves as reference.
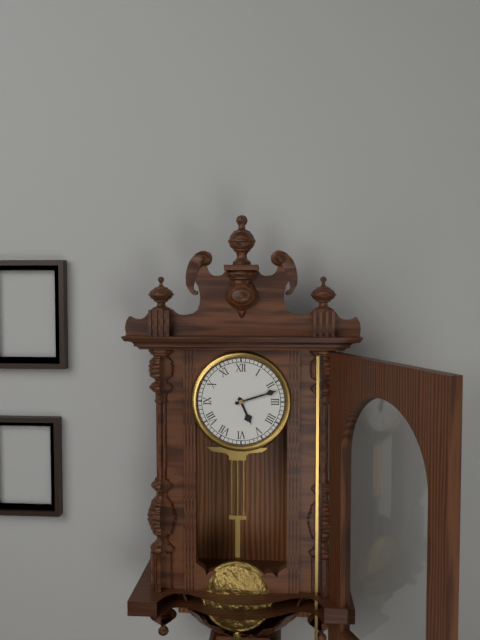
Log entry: 5h12
